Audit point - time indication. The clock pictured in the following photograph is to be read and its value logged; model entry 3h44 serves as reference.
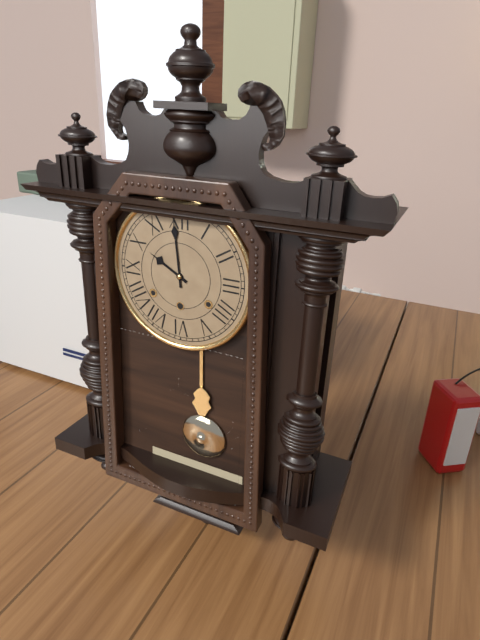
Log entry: 9h59
